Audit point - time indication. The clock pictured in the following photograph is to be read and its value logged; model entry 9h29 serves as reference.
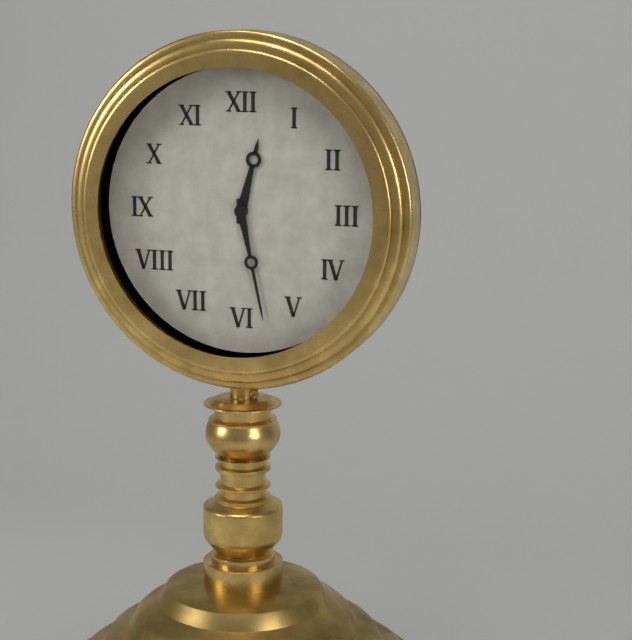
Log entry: 12h28
